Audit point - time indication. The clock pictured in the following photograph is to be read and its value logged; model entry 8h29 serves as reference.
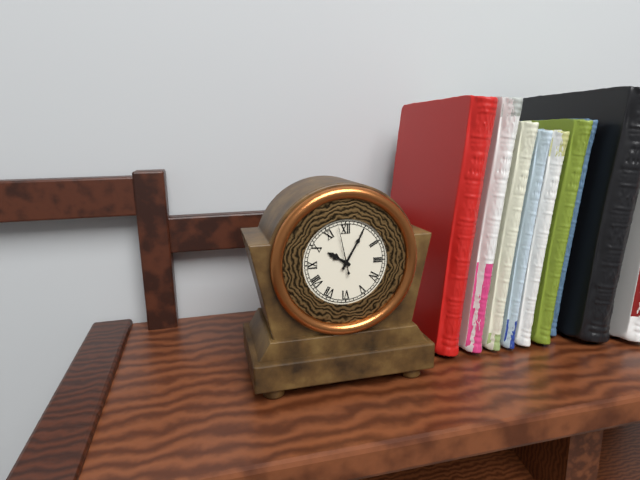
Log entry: 10h05
